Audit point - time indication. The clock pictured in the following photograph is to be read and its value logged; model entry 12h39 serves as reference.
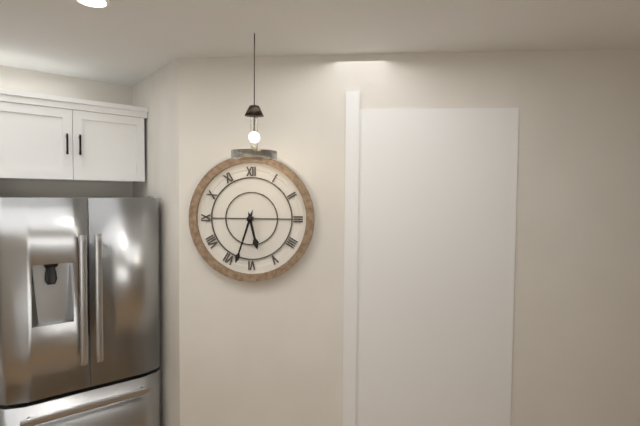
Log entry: 5h33
